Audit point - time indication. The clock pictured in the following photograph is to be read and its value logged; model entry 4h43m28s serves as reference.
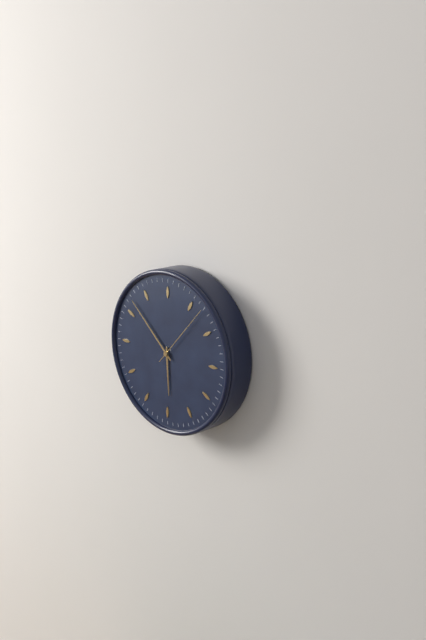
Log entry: 5h52m07s
